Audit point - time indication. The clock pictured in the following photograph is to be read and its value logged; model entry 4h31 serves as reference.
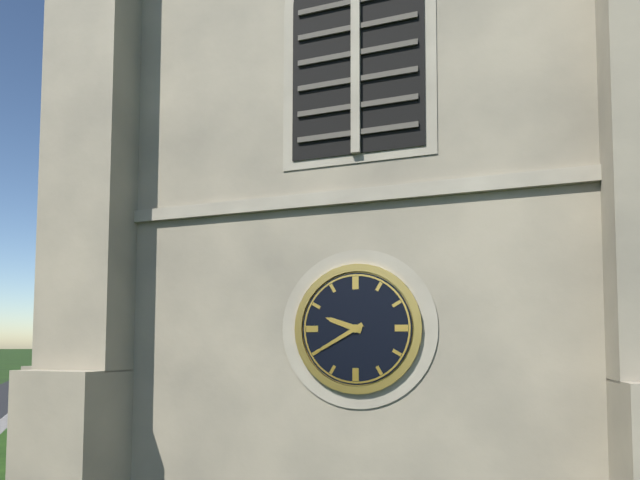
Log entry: 9h40
